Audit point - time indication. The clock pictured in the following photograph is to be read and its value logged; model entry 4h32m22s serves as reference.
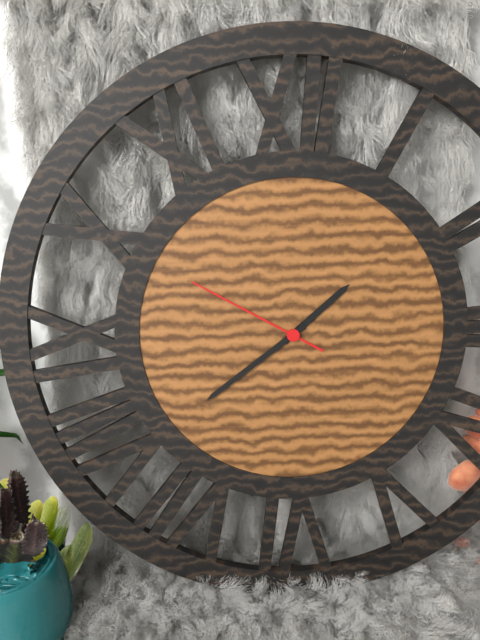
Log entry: 1h39m50s
